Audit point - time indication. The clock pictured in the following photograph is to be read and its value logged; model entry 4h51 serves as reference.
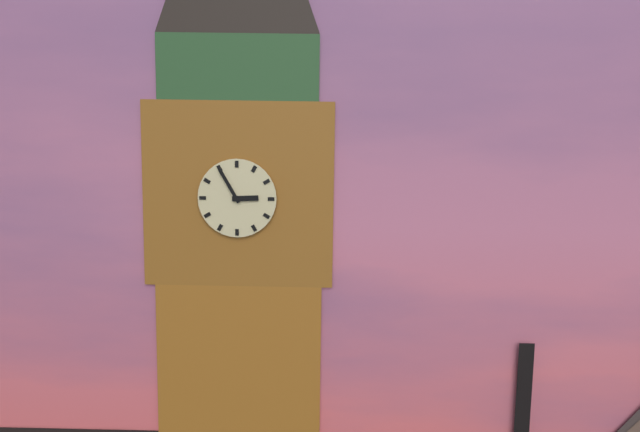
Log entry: 2h55
